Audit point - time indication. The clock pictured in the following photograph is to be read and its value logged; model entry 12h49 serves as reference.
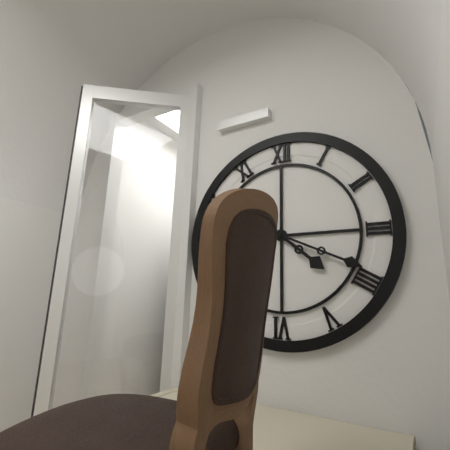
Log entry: 4h19
